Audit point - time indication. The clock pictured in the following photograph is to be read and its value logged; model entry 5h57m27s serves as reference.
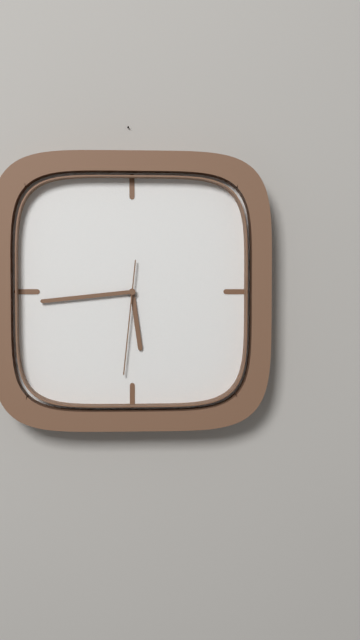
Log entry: 5h44m31s
